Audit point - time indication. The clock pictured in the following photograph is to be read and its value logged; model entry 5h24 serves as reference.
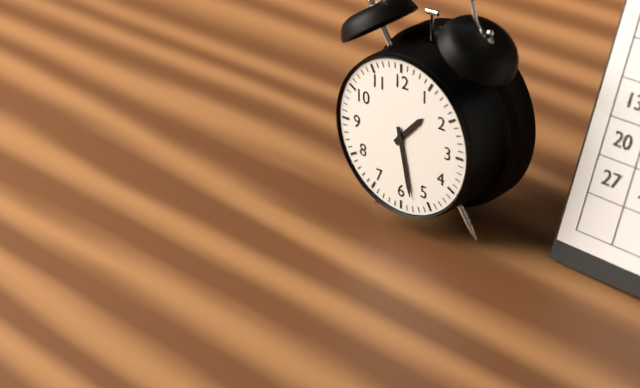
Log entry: 1h28
